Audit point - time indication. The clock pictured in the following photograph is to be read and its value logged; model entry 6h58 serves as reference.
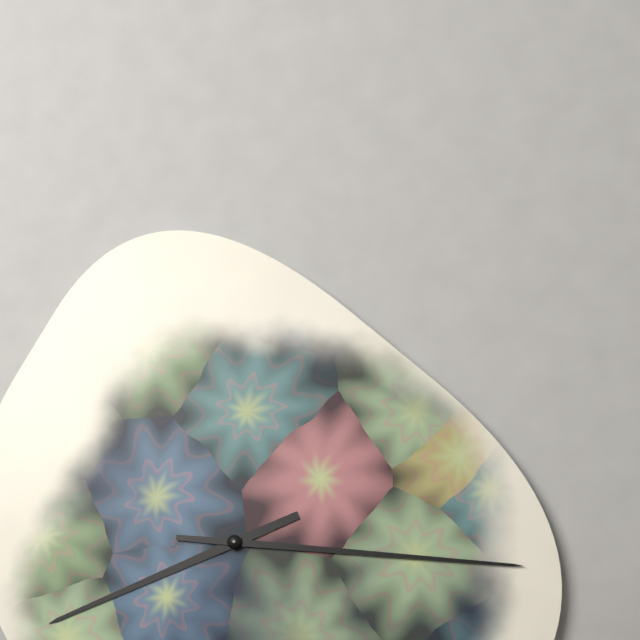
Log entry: 8h16
